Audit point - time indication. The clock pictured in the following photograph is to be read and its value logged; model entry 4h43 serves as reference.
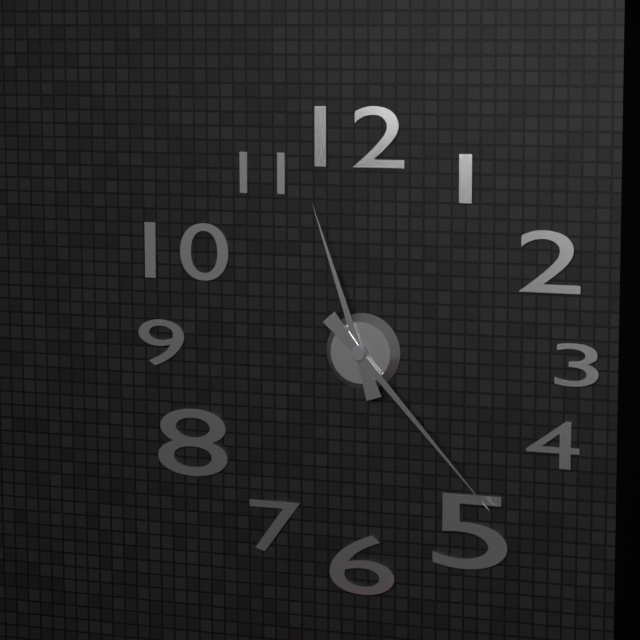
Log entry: 11h23
